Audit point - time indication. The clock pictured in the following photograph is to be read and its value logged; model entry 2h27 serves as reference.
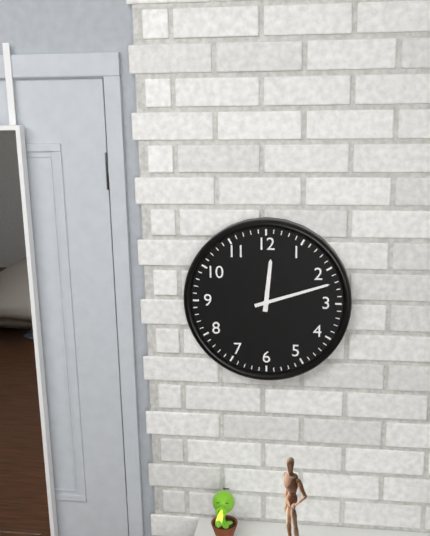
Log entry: 12h12
